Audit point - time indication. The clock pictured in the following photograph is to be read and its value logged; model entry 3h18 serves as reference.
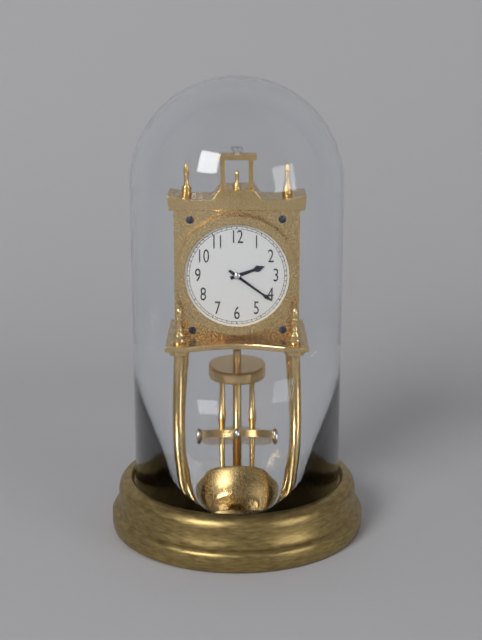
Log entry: 2h21
